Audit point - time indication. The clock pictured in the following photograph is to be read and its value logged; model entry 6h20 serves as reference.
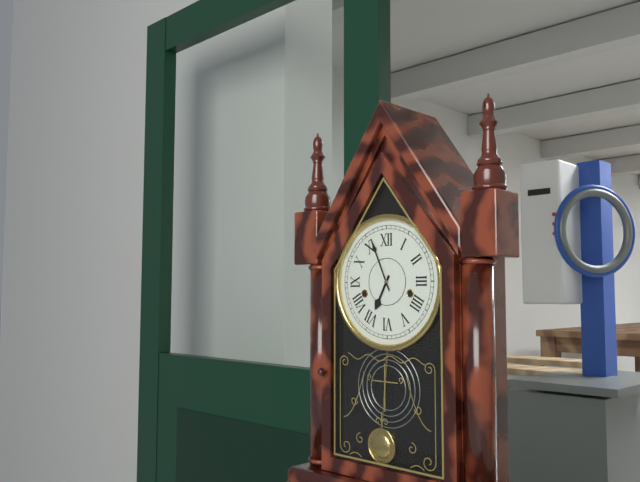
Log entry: 6h56
